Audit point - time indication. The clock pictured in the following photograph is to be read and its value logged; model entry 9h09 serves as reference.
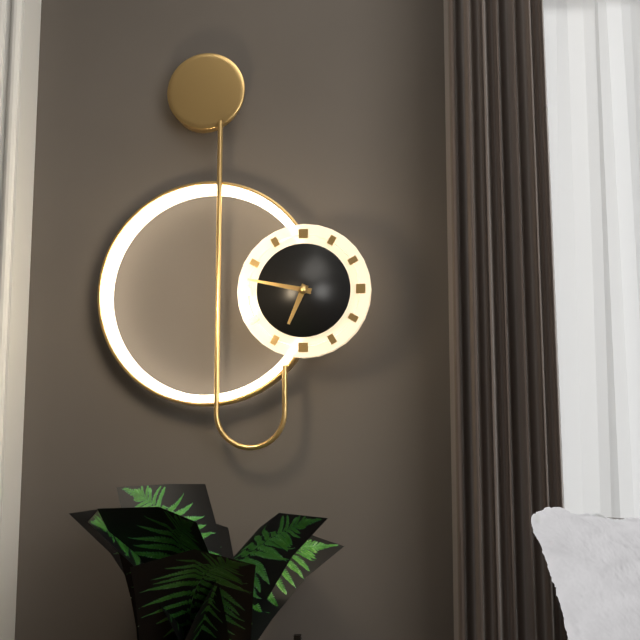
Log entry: 6h47
